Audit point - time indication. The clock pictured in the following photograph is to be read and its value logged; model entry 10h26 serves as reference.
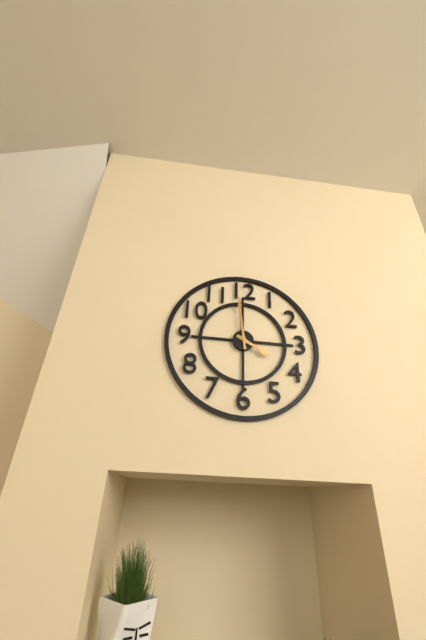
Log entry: 3h59
